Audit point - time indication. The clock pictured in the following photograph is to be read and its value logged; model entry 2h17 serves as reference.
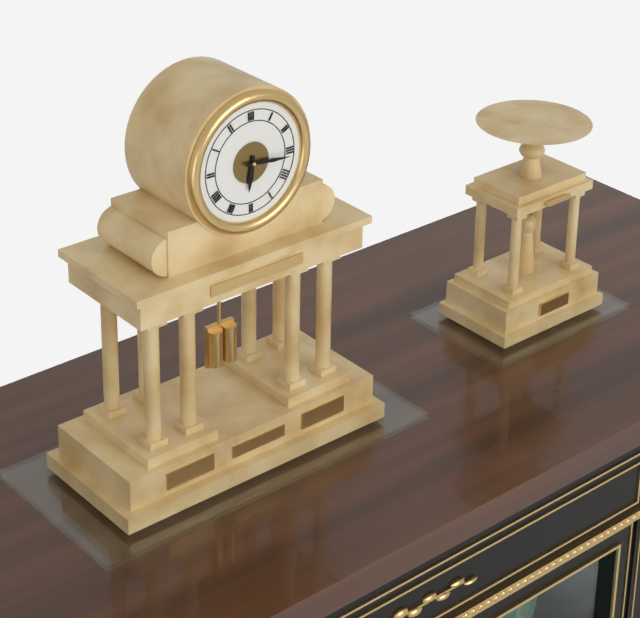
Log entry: 6h16
